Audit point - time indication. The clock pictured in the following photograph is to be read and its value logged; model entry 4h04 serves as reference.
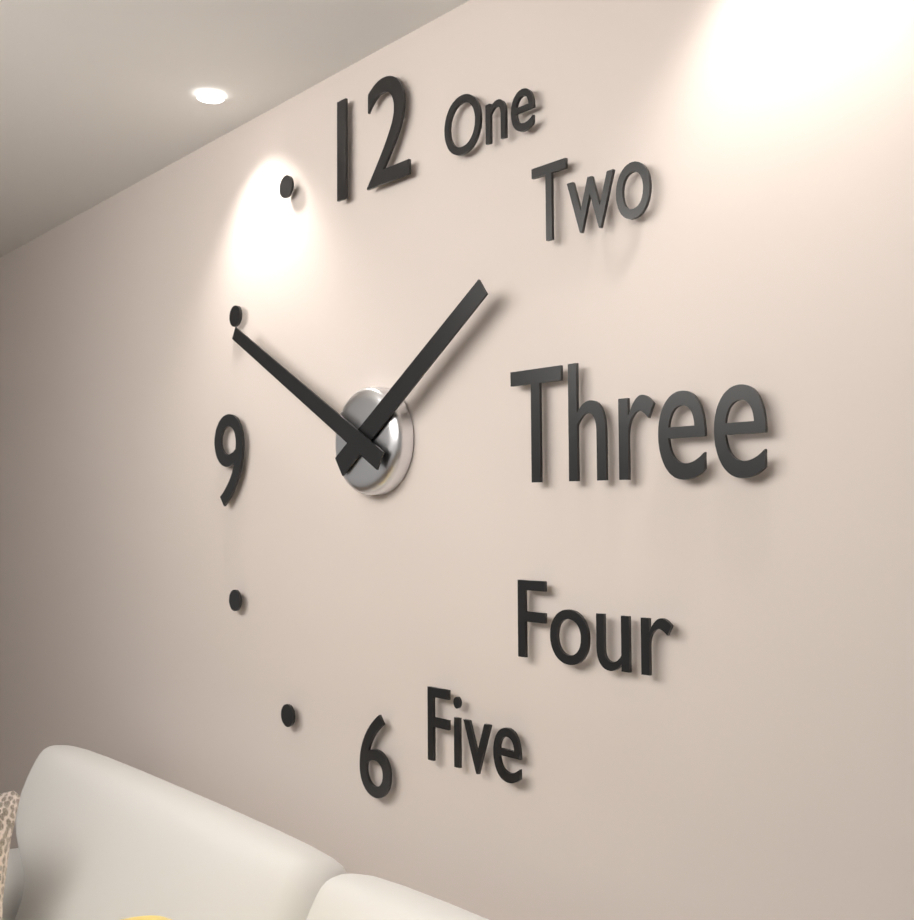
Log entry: 1h50
